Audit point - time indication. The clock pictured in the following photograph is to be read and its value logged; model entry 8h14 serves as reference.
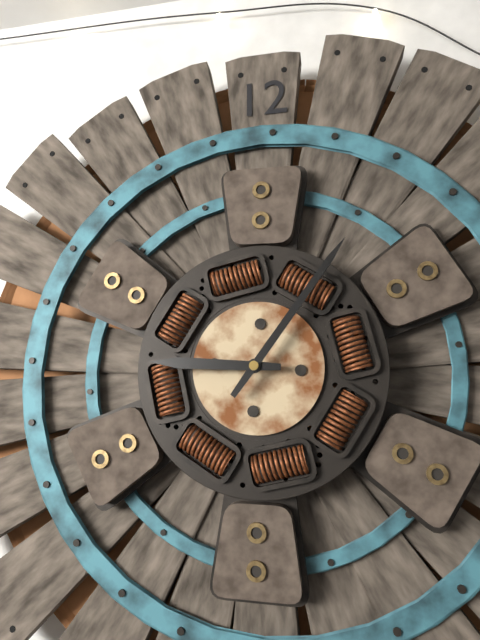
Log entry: 9h06
